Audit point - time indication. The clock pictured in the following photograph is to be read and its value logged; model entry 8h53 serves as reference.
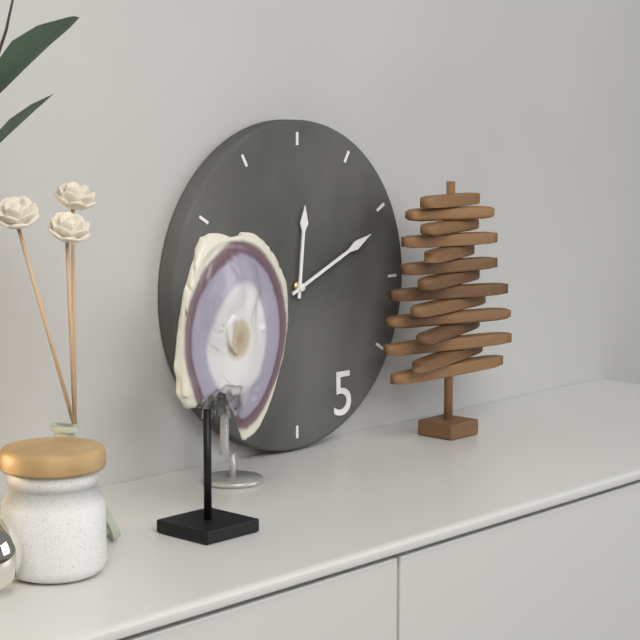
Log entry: 12h11
